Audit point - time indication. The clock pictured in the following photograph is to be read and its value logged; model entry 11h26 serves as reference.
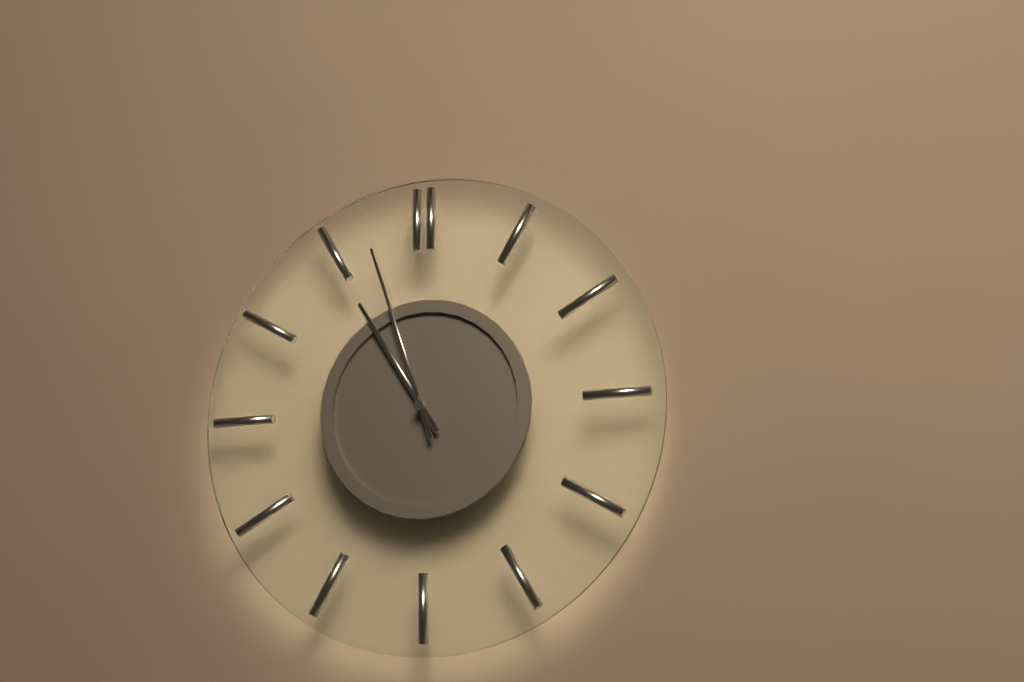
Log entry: 10h57
